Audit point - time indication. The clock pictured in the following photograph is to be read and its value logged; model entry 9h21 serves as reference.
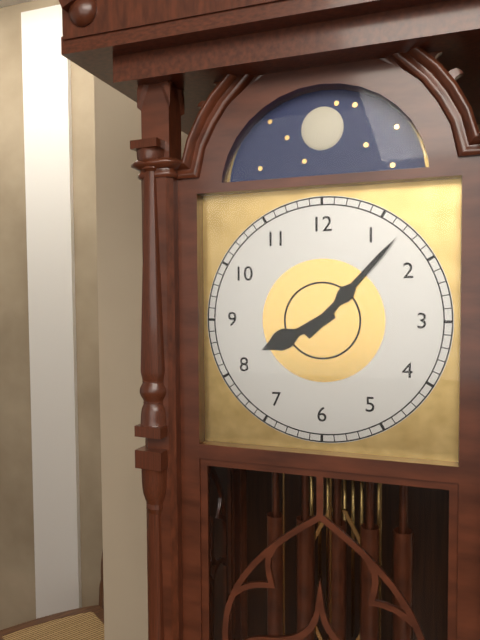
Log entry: 8h07
